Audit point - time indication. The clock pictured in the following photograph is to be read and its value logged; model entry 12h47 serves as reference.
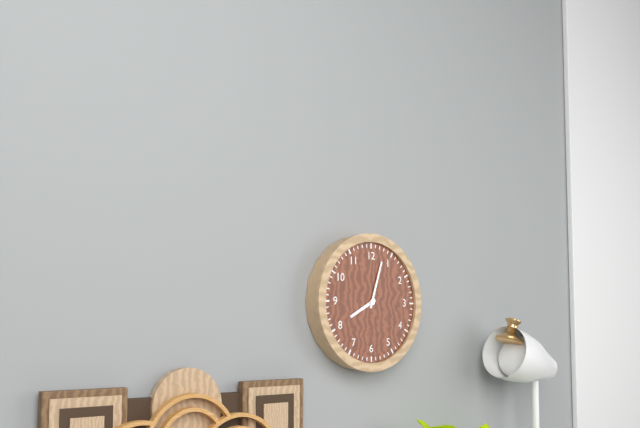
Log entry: 8h03
